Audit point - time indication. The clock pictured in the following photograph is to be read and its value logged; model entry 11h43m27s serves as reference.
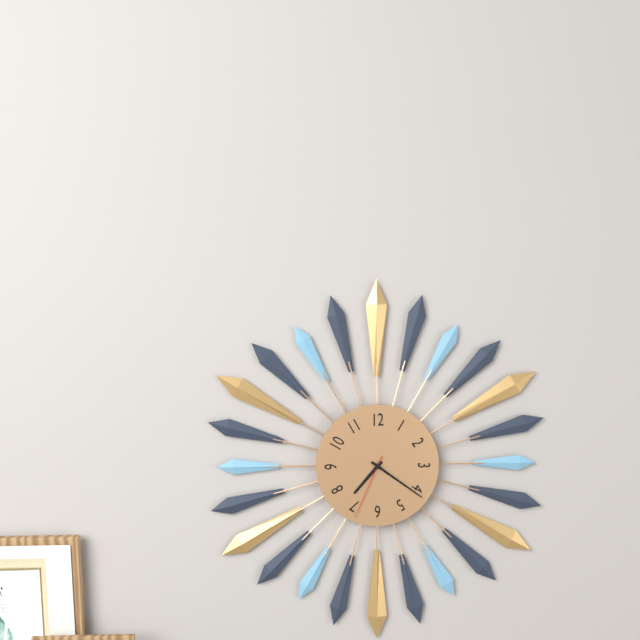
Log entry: 7h21m34s
